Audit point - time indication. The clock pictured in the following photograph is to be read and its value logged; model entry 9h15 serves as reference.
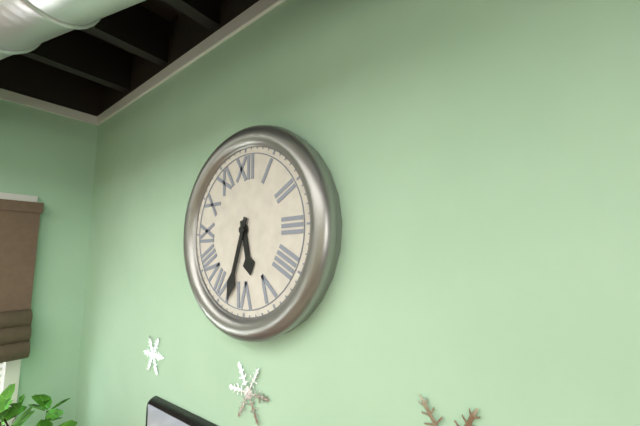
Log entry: 5h33
